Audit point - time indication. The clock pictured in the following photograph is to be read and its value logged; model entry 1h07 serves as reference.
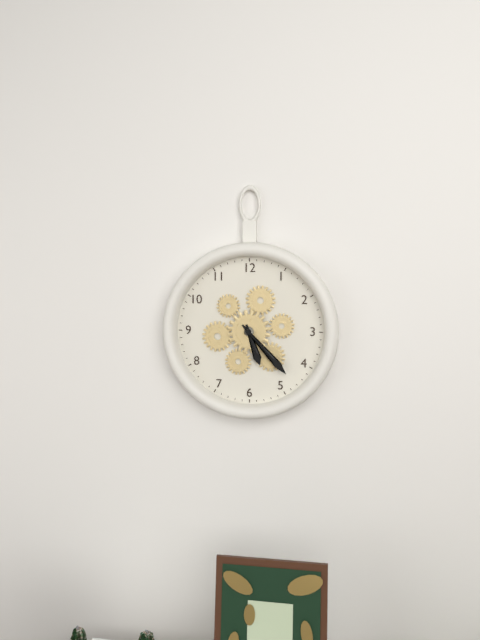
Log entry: 5h23
